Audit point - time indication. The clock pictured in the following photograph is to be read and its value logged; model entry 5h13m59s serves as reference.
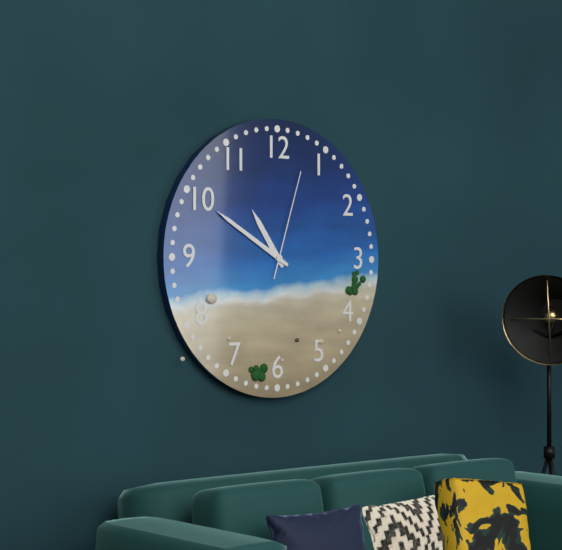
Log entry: 10h50m03s
